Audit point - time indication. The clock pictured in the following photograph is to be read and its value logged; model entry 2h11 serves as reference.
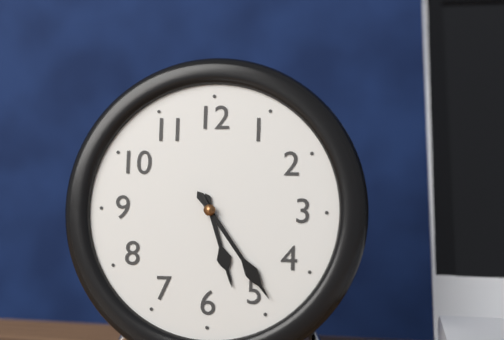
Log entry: 5h24
